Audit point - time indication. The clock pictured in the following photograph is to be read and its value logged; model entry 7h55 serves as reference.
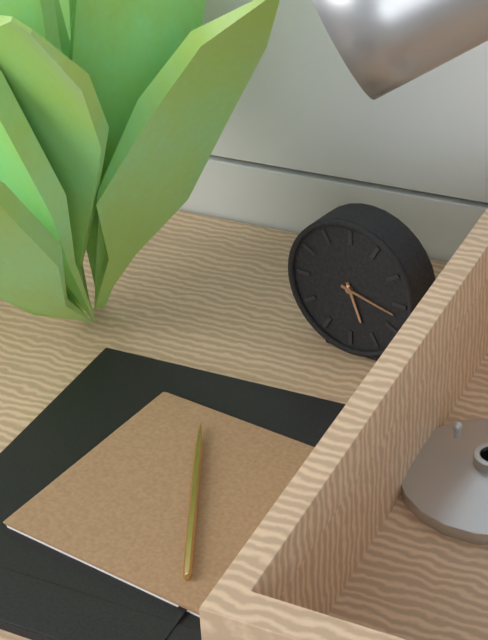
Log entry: 5h17
